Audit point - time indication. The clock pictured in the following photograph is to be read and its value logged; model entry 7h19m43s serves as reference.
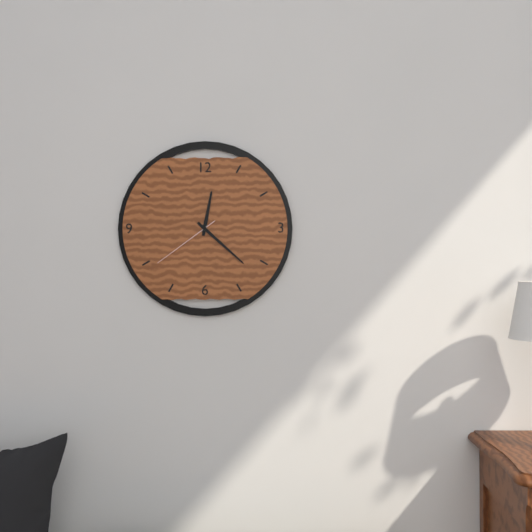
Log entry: 12h22m39s
